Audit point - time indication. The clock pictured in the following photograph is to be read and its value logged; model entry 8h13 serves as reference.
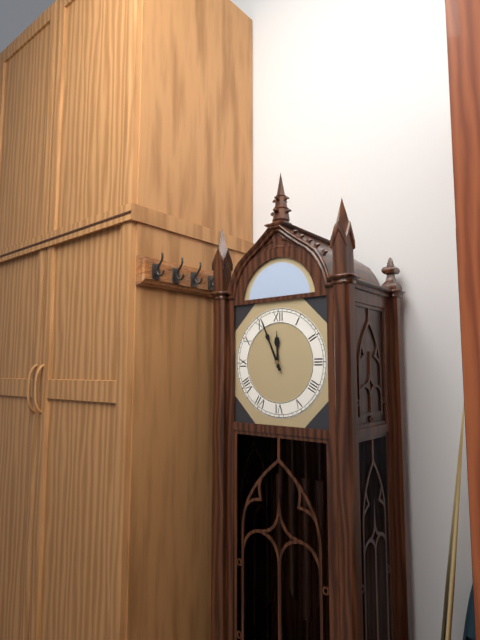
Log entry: 11h56
